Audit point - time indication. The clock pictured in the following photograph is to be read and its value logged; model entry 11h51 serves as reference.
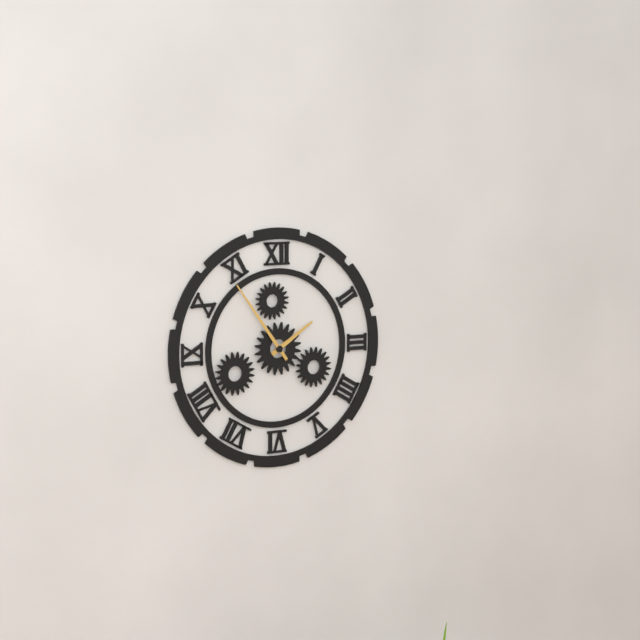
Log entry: 1h54
